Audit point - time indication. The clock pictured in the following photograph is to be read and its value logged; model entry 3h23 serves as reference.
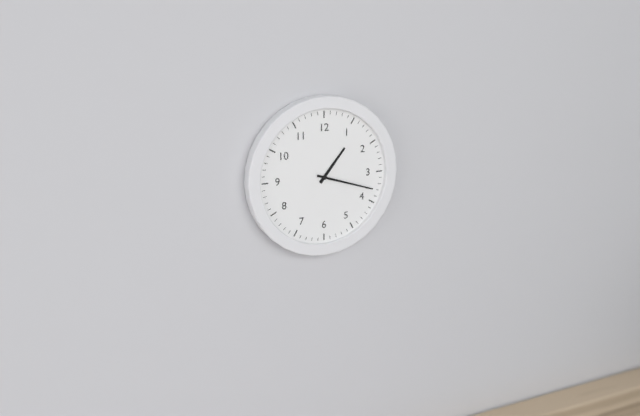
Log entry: 1h18
